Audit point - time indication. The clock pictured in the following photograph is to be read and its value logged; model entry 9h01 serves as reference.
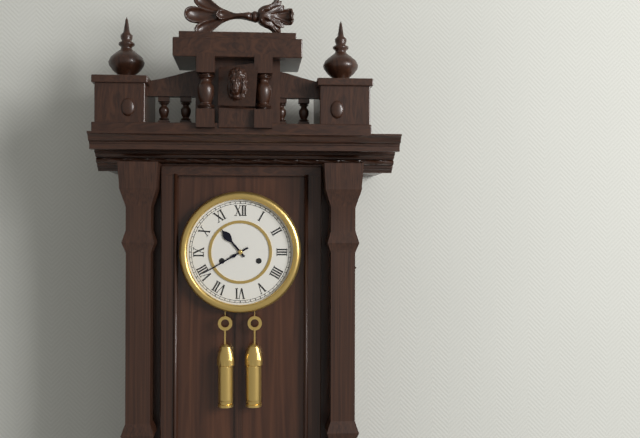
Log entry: 10h40
